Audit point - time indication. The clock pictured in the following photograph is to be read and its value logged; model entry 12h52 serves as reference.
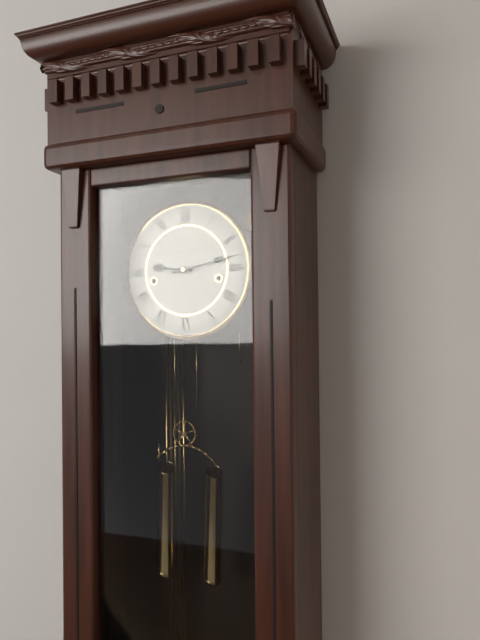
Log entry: 9h13
